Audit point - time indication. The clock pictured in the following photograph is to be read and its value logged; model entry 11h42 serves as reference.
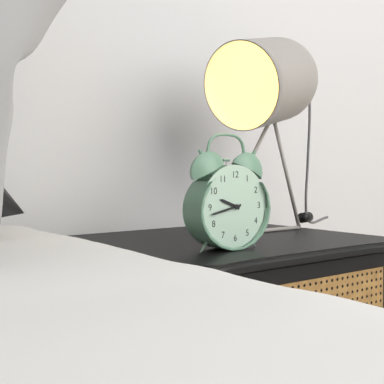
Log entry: 9h43
